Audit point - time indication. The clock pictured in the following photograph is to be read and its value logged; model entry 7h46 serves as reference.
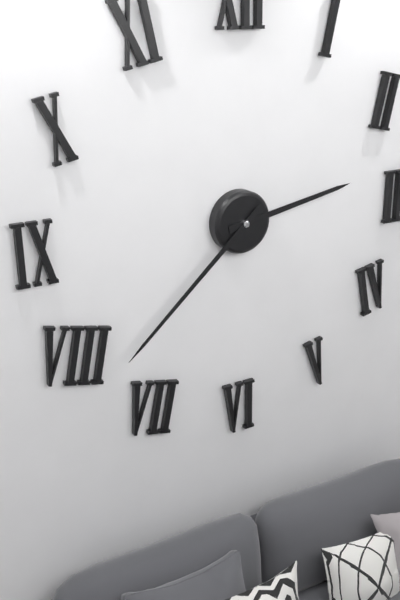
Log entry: 2h38
